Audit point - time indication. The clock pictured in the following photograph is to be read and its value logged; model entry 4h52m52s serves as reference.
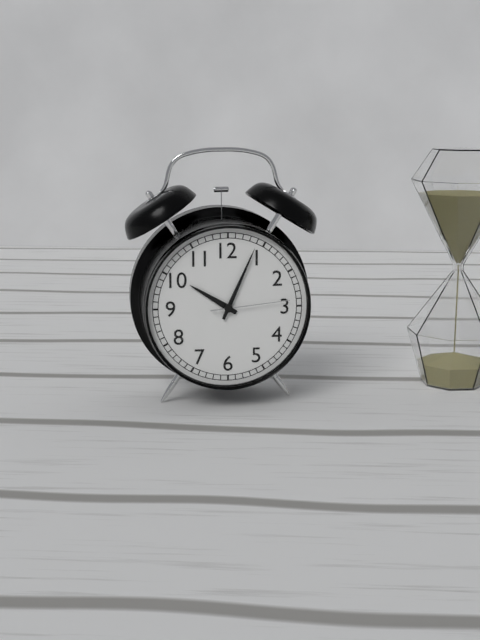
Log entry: 10h04m14s
